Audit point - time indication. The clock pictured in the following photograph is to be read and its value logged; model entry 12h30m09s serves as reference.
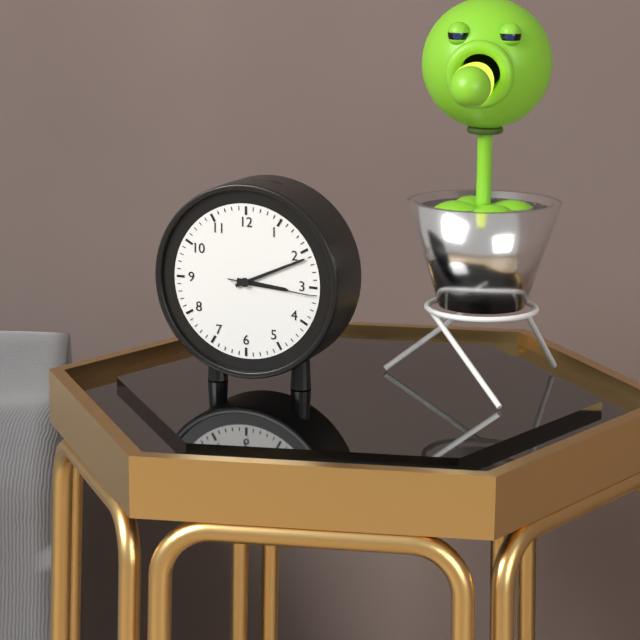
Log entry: 3h11m16s
